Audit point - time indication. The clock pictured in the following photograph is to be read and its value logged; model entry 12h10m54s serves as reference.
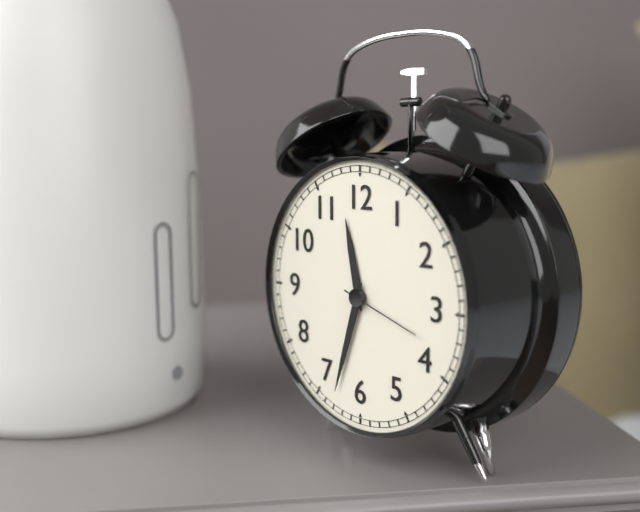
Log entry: 11h33m18s
